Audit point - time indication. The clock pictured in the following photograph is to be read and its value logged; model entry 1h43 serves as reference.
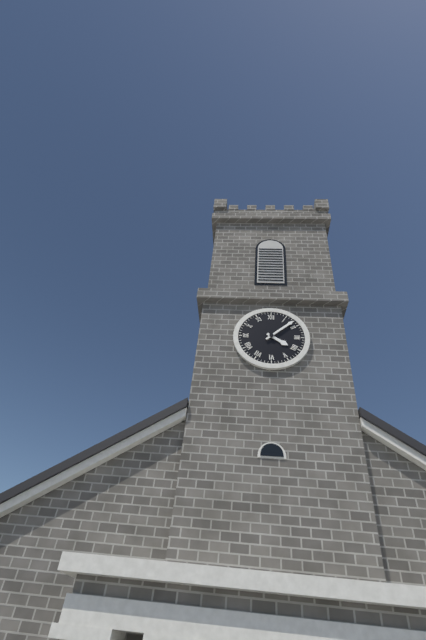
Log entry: 4h08
